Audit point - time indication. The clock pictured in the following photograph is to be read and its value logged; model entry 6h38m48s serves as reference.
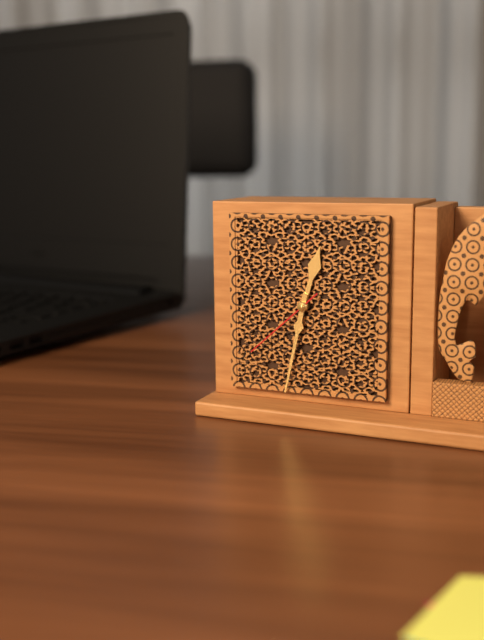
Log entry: 12h32m38s
